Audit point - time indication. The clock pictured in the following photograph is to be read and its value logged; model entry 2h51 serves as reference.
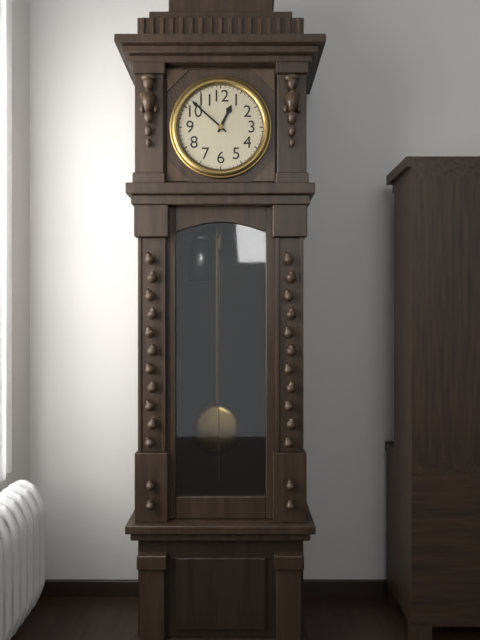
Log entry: 12h52
